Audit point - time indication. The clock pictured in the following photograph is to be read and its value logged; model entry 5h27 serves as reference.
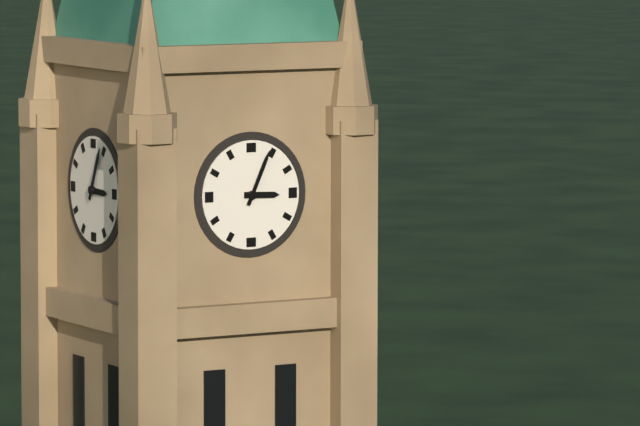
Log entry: 3h04
